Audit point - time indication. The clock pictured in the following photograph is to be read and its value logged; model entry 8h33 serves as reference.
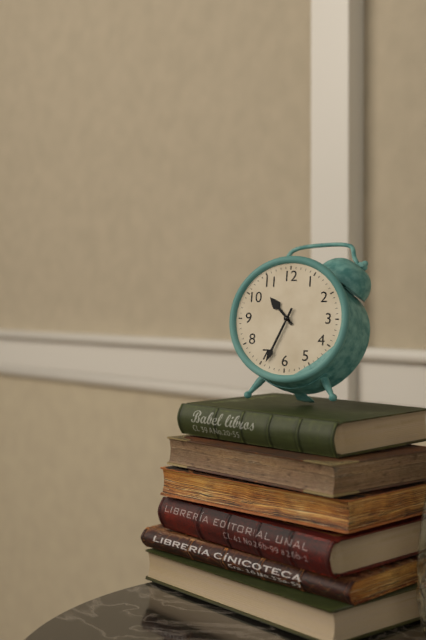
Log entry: 10h34
